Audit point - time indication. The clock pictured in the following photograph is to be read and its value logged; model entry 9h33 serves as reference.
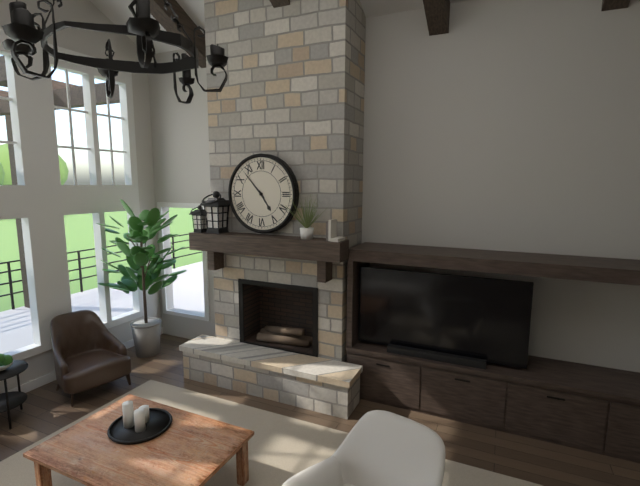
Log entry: 4h53
